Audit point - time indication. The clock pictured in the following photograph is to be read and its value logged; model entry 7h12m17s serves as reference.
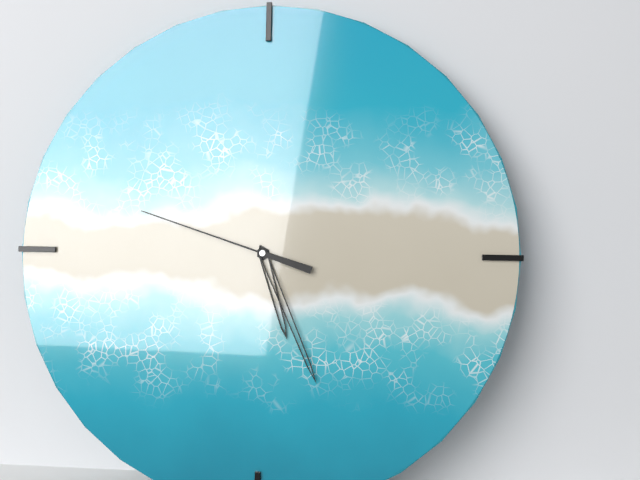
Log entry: 5h26m48s
